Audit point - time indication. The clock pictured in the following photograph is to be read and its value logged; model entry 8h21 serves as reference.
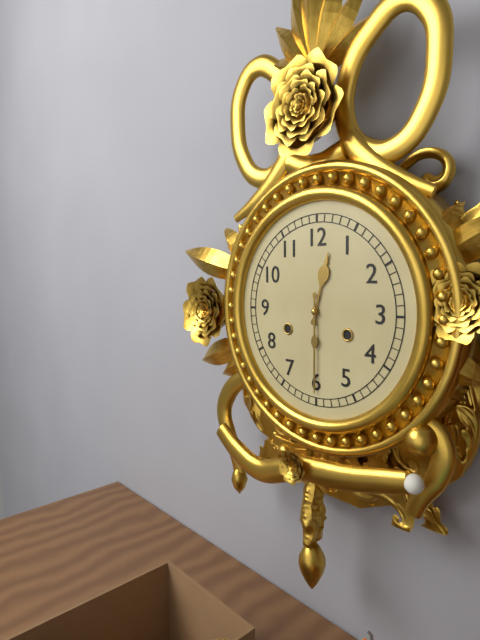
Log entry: 12h30
